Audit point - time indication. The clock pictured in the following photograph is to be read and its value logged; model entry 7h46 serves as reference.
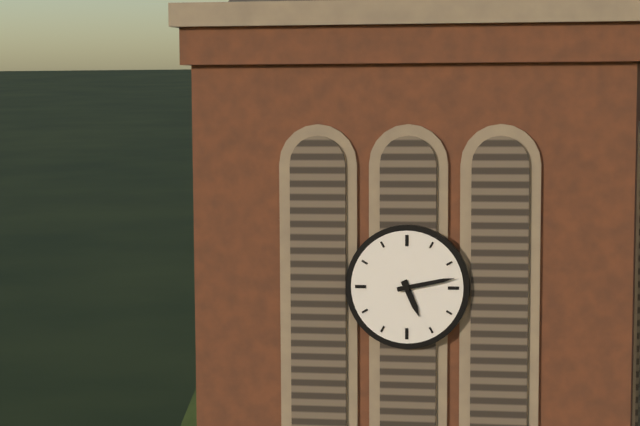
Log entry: 5h13
